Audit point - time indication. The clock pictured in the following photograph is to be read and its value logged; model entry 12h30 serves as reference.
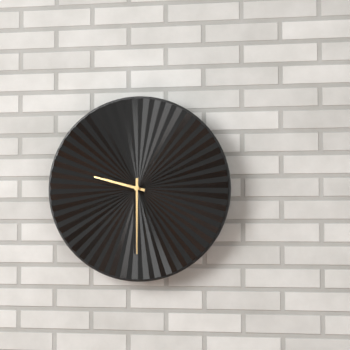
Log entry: 9h30
